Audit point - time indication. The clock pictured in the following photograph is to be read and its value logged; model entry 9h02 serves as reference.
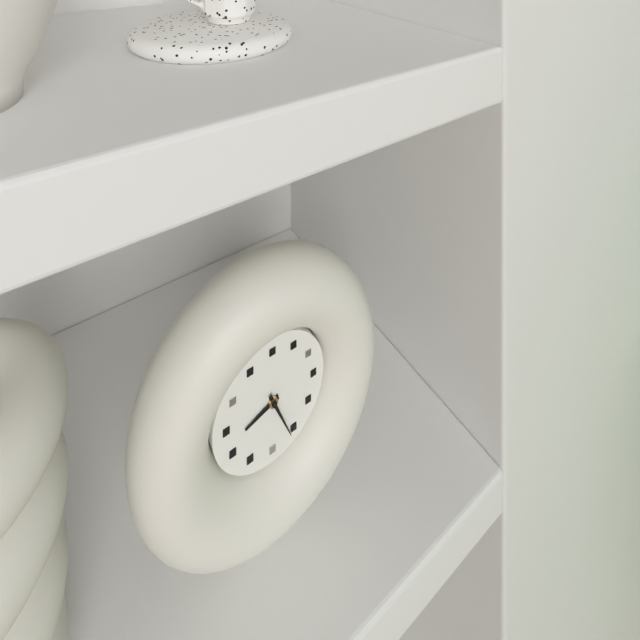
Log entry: 8h26
